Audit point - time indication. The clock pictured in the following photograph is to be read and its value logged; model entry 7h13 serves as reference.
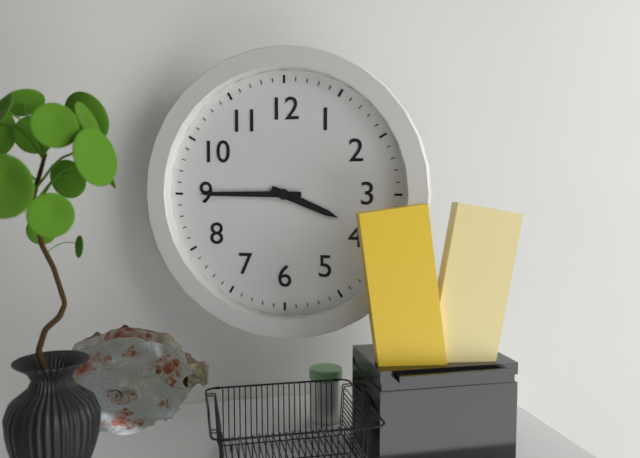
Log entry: 3h45
